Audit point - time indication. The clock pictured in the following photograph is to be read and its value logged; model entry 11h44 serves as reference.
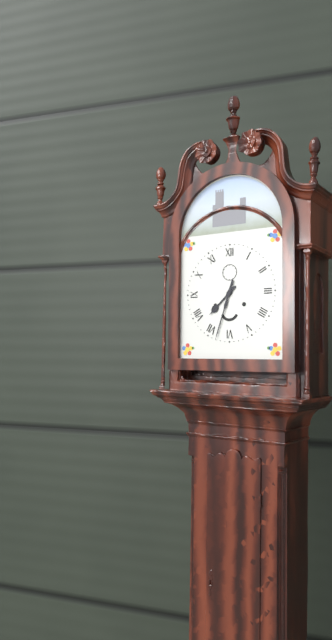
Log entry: 7h33
